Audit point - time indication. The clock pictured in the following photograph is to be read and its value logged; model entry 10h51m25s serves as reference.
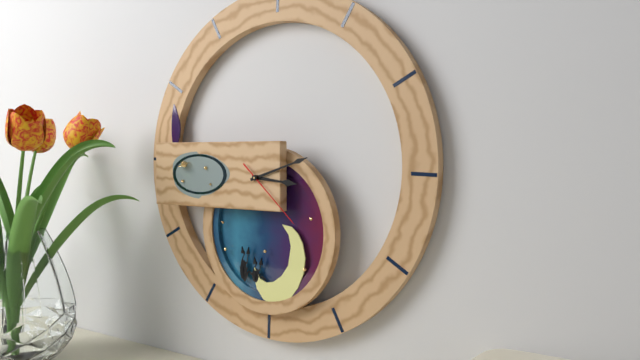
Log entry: 3h12m22s
